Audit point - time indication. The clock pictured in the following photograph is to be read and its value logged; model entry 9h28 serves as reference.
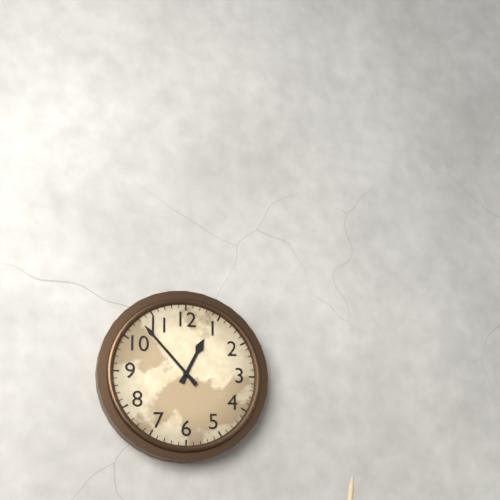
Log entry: 12h53
